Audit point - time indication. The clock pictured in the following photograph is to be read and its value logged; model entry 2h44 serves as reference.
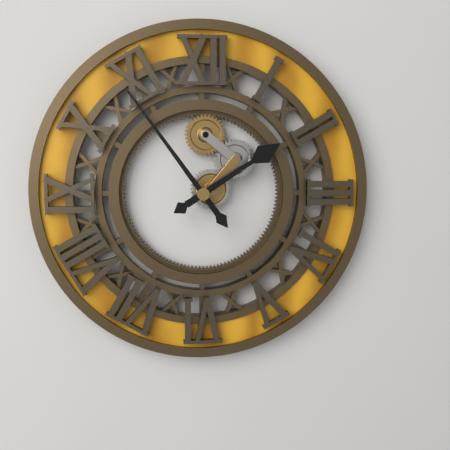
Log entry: 1h54
